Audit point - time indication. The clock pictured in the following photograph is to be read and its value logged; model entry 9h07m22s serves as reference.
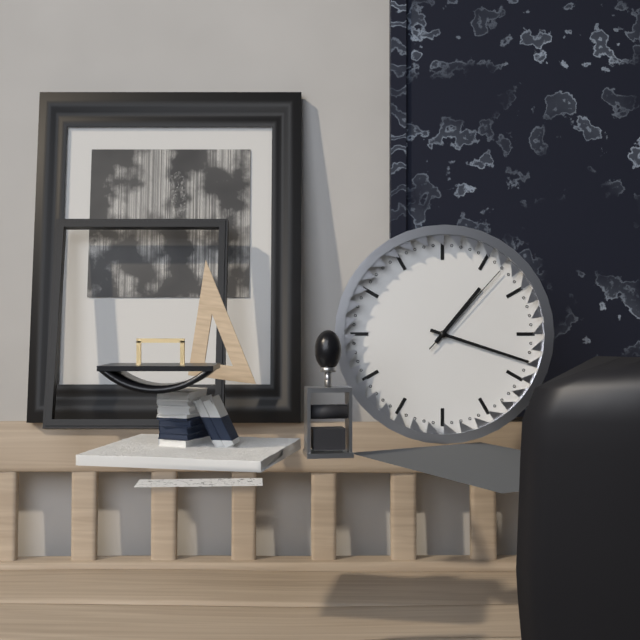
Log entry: 1h18m07s
